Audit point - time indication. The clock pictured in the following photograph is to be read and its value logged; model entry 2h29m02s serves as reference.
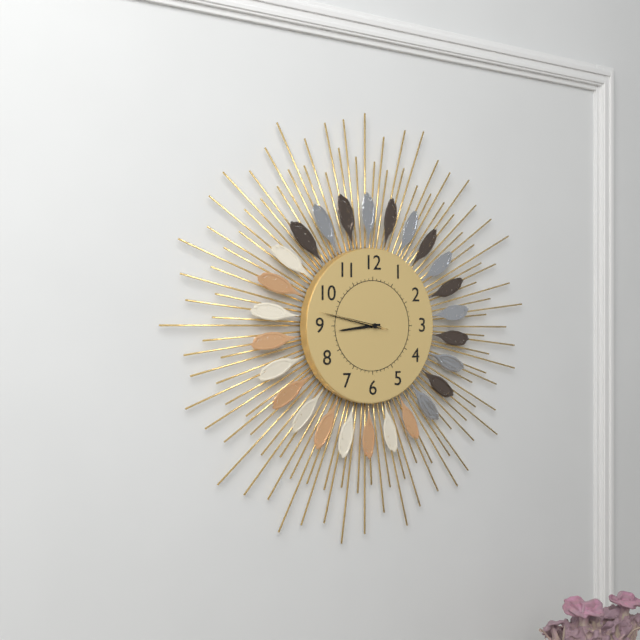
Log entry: 8h47m47s
